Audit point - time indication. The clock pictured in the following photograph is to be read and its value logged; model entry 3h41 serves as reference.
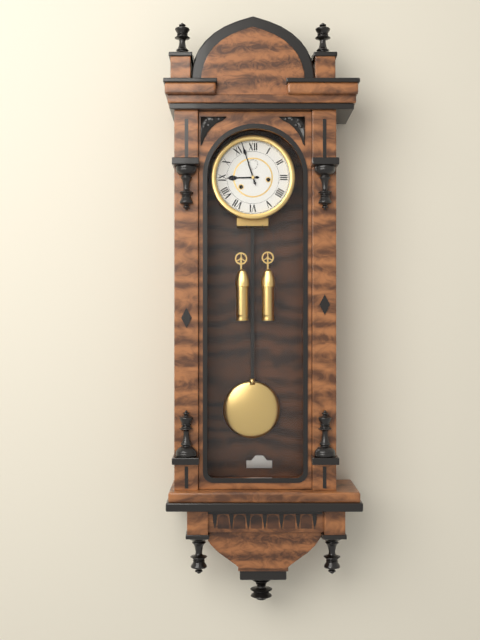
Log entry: 8h57
